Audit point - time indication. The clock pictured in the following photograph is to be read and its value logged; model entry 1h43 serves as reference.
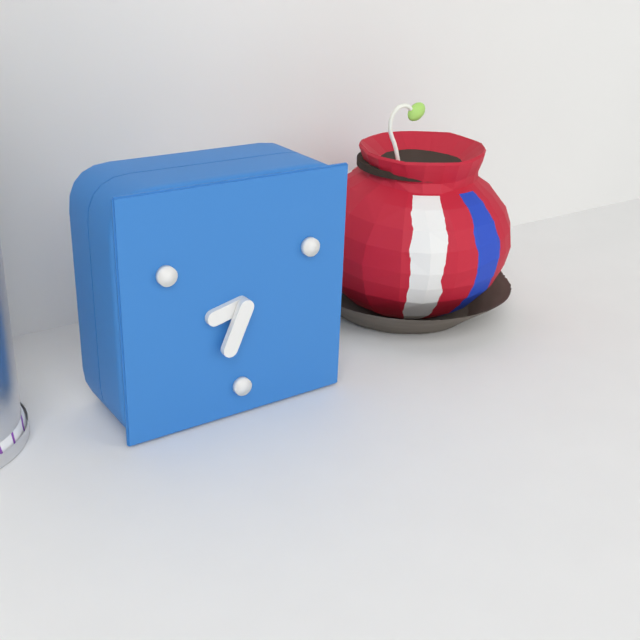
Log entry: 8h34
